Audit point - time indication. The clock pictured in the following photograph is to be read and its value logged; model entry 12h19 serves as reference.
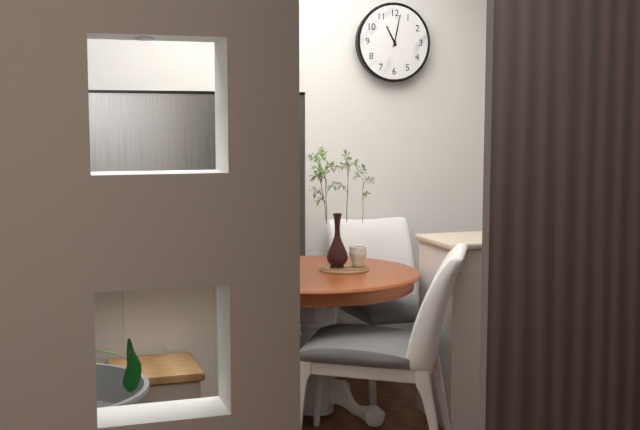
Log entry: 11h02
